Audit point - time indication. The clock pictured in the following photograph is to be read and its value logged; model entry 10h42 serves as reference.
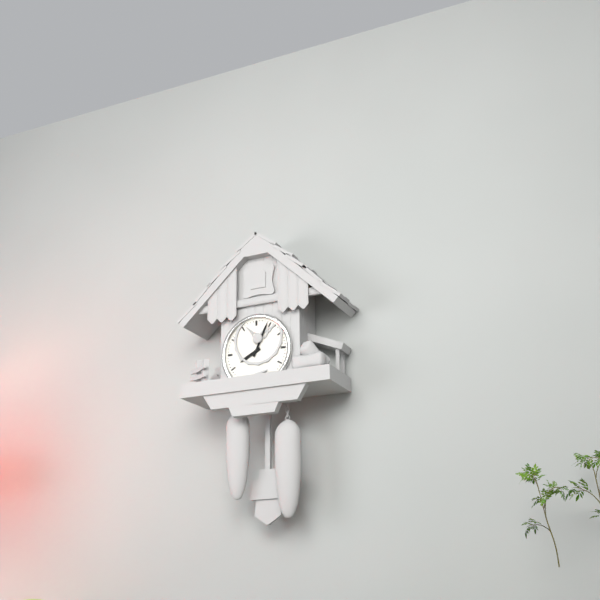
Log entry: 8h04
